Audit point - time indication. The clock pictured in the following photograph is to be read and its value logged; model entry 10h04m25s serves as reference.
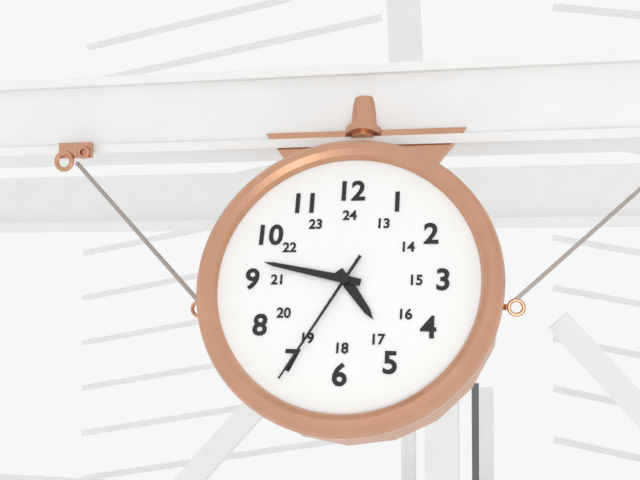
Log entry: 4h47m35s
